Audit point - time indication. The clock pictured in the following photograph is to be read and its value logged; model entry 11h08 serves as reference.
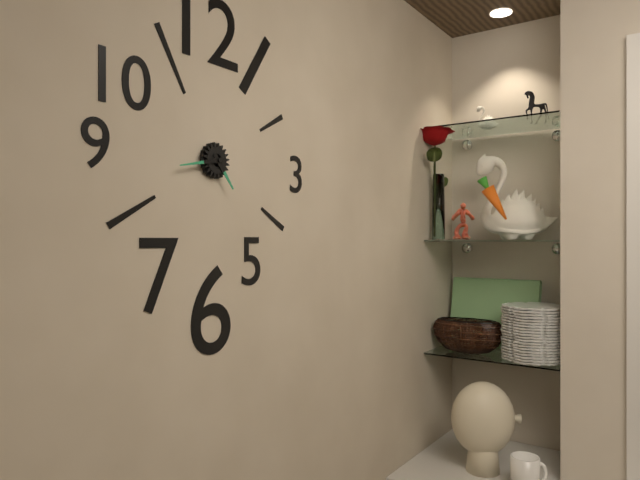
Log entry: 4h43
